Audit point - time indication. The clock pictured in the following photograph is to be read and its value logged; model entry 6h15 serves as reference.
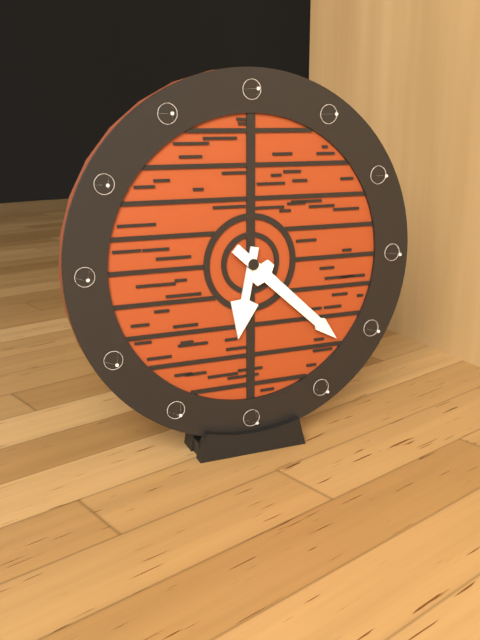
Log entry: 6h22
